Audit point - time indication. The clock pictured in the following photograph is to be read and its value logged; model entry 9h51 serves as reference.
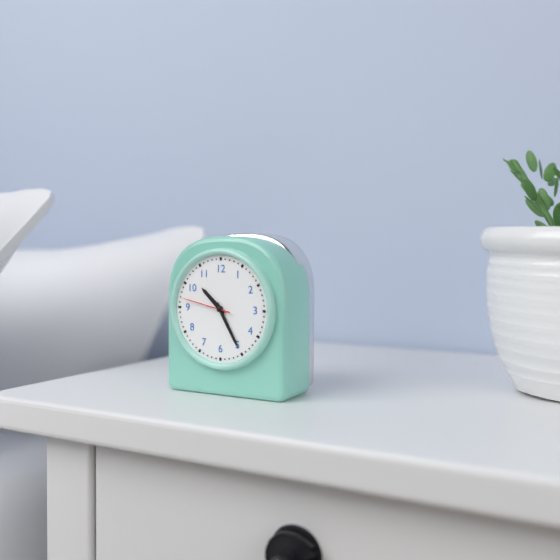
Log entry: 10h25
